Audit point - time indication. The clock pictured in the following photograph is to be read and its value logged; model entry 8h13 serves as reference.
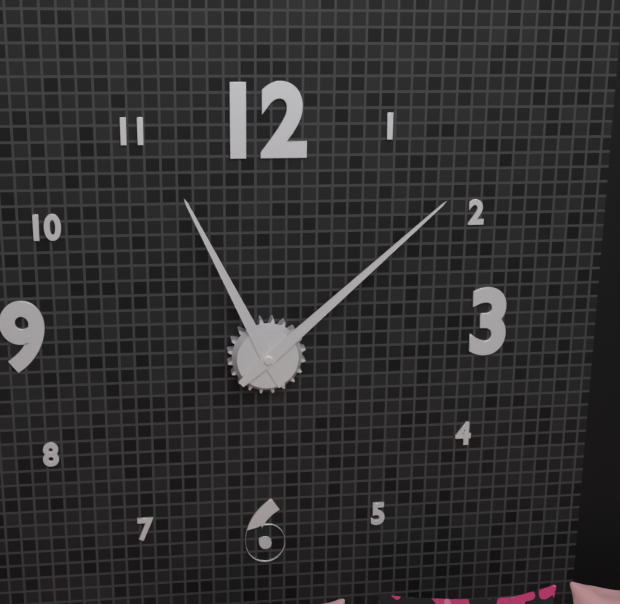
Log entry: 11h08
